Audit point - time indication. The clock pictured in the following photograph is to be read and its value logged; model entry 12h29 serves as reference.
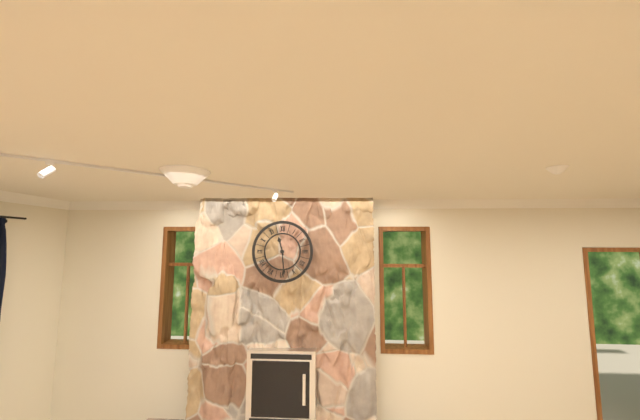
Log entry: 11h29
